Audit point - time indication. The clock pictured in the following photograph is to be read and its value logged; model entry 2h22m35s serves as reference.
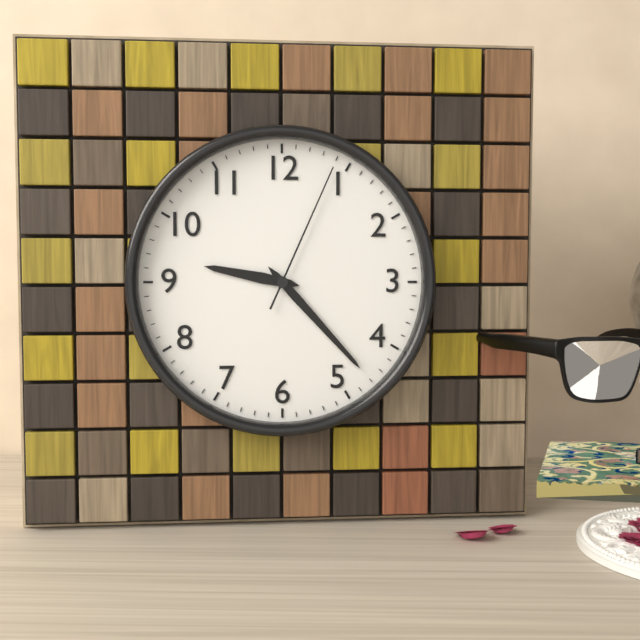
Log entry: 9h23m04s
